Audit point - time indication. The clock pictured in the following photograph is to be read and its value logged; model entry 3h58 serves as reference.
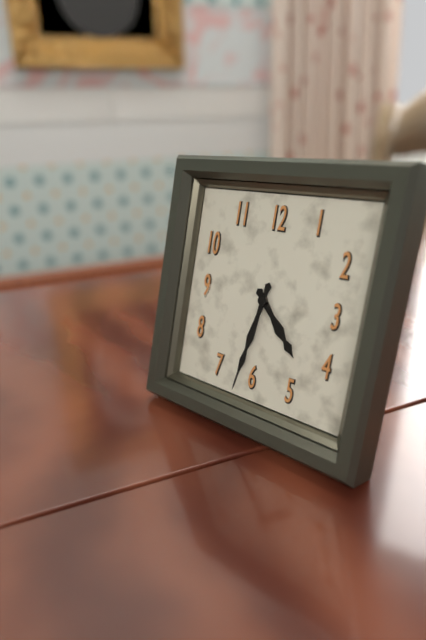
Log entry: 4h32
